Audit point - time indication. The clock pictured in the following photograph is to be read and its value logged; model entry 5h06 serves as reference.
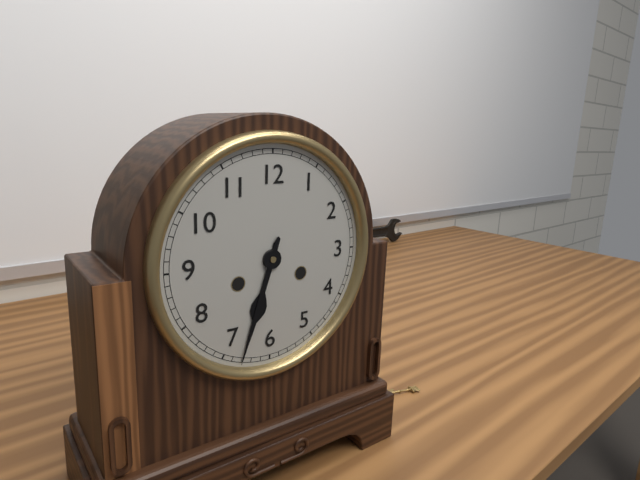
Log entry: 6h33
